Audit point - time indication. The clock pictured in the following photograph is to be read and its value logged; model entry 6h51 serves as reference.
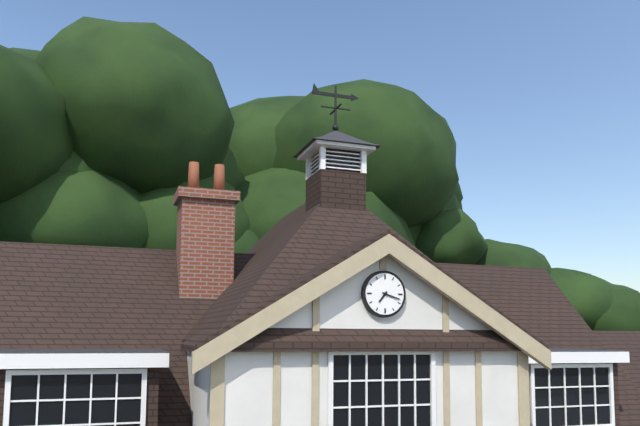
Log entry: 7h18
